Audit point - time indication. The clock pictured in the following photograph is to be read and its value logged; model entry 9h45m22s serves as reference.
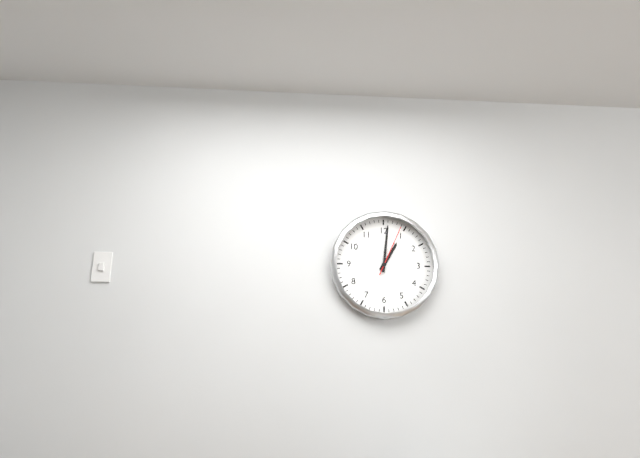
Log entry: 1h01m04s
